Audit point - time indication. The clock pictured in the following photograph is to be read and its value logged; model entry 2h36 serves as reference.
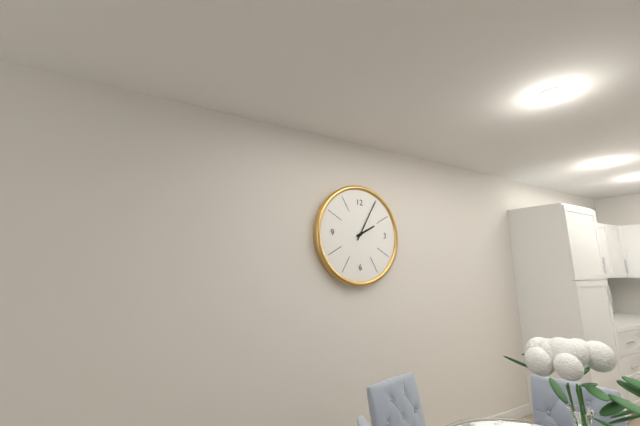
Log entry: 2h05
